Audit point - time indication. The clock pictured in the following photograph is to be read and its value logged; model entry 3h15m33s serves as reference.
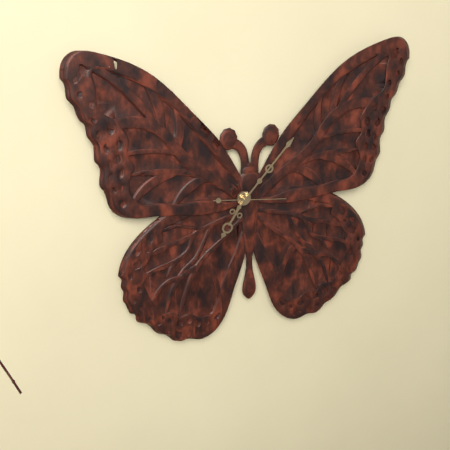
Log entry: 7h07m16s
